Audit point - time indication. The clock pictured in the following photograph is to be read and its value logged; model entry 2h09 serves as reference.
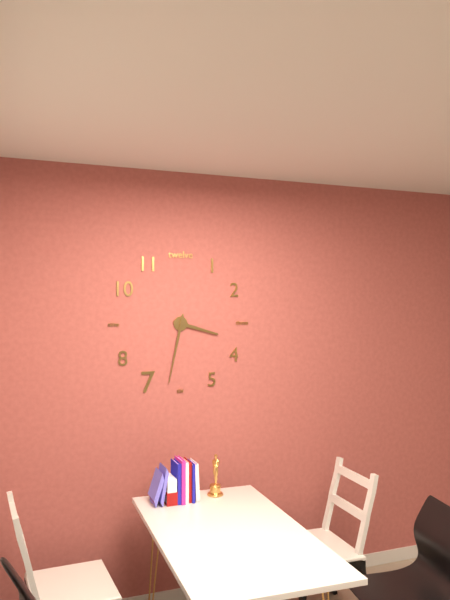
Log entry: 3h32
